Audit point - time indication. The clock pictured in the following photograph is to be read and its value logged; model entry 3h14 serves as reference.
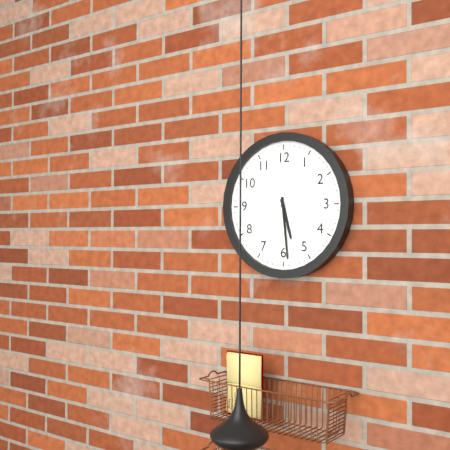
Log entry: 5h29
